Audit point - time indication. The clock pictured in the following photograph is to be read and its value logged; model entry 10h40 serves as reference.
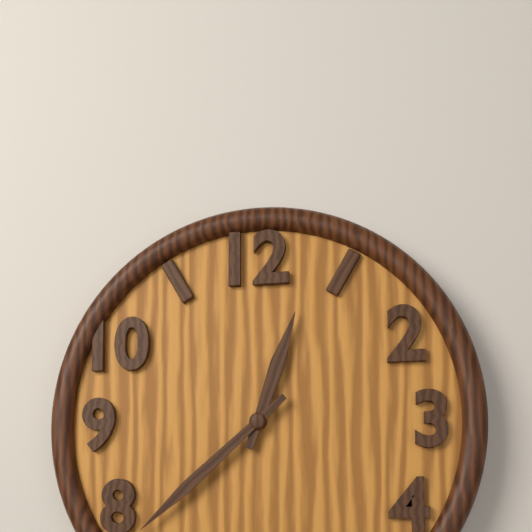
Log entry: 12h38
